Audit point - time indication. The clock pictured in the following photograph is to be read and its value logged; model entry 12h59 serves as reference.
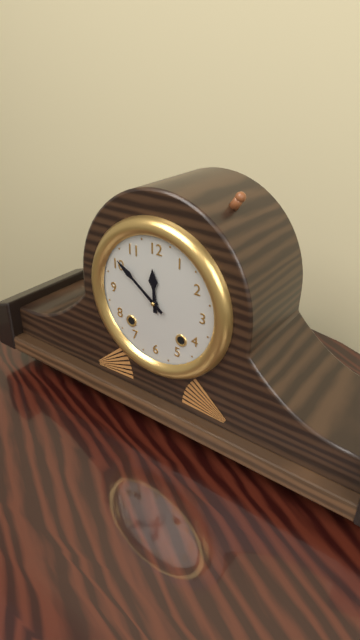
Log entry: 11h51
